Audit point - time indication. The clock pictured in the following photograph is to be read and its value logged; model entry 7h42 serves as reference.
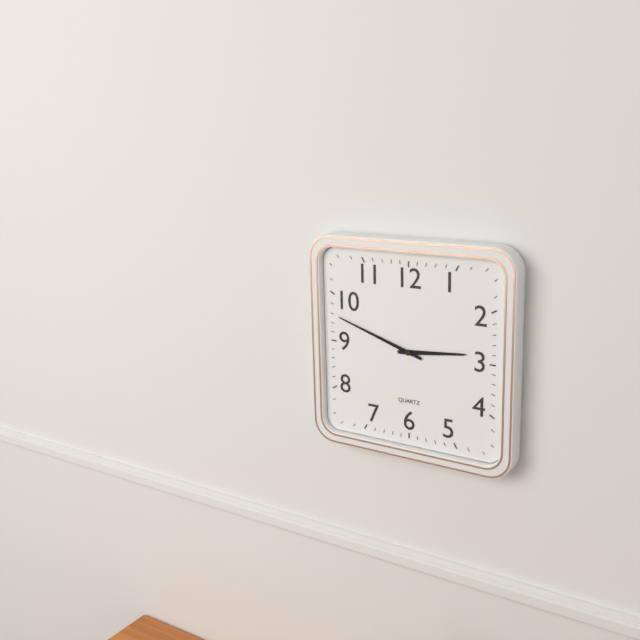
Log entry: 2h48
